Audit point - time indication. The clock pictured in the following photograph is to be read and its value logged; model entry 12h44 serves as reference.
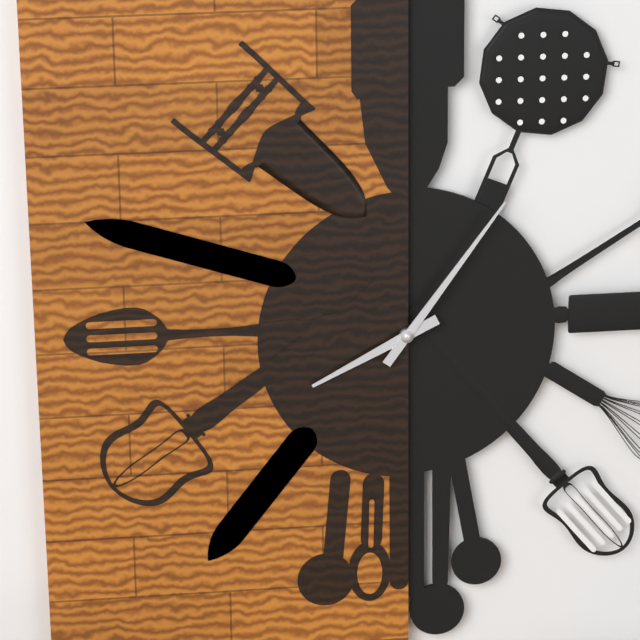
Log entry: 8h06
